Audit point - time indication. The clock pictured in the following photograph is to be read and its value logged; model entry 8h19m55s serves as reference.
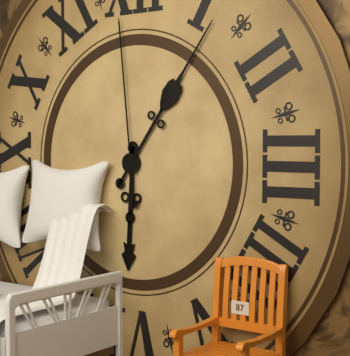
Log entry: 6h06m59s
